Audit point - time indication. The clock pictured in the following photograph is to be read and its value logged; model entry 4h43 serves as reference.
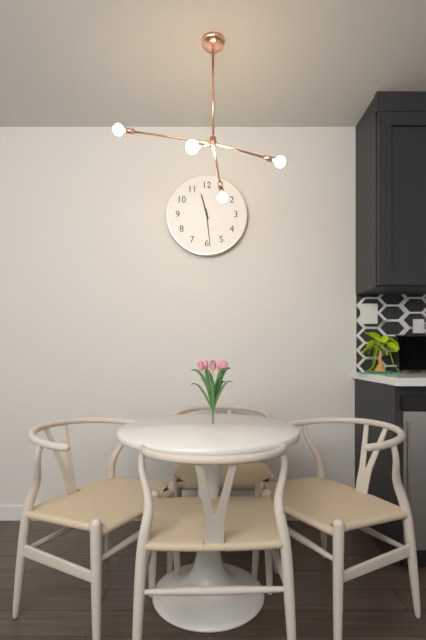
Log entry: 11h29
